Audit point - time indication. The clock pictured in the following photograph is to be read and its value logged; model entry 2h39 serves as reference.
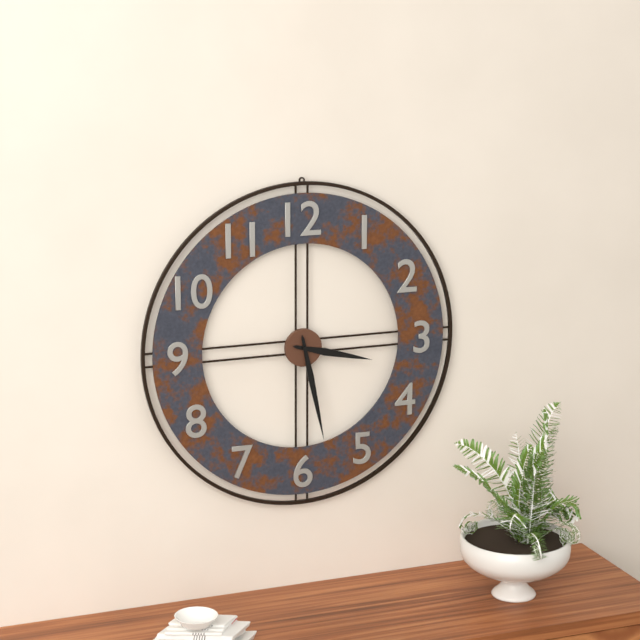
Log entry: 3h28
